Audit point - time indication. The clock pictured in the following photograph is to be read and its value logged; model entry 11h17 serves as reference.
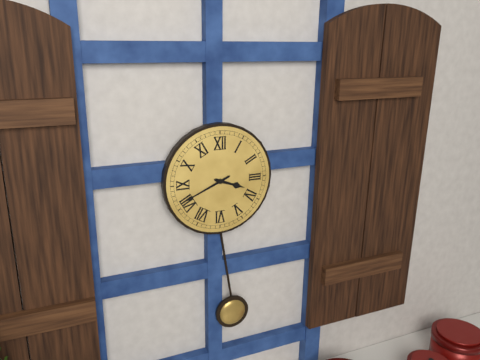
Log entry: 3h41
